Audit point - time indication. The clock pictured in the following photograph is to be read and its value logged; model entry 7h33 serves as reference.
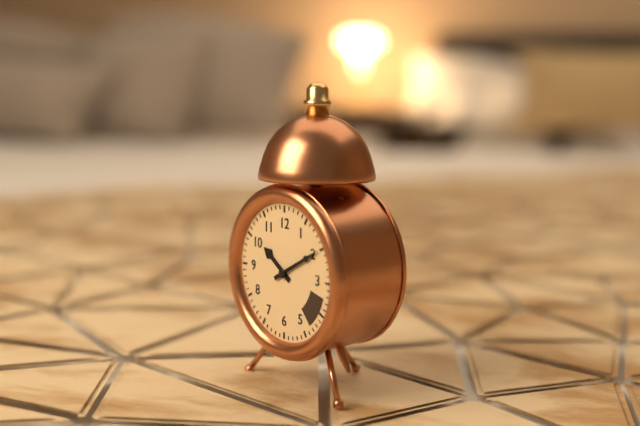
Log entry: 10h10
